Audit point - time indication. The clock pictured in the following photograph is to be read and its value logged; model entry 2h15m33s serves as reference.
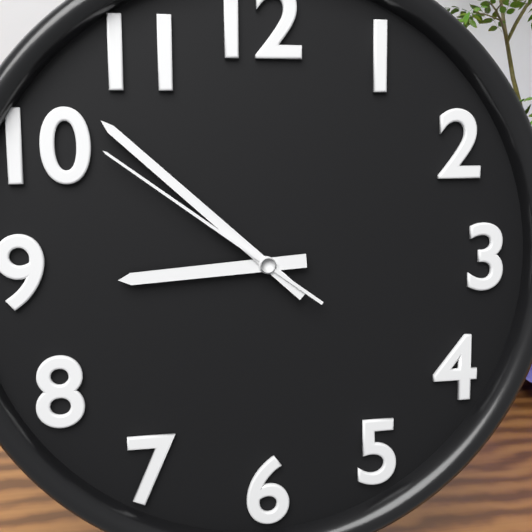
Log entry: 8h52m51s
